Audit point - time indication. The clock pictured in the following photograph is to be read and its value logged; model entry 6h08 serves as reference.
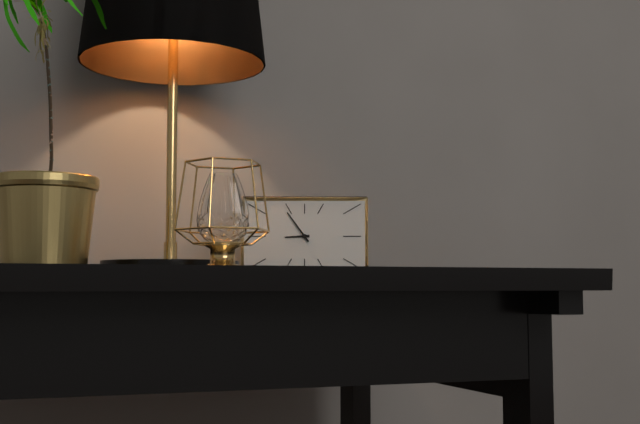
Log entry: 8h54
